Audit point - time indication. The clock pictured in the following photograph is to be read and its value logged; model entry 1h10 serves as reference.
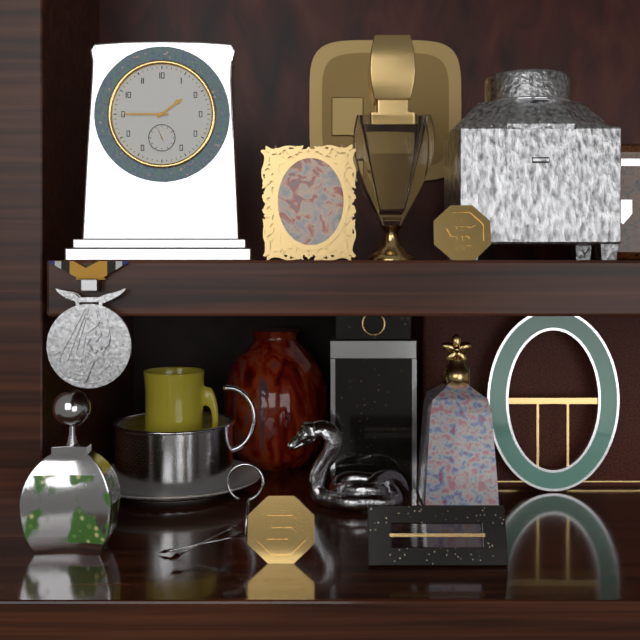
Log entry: 1h45
